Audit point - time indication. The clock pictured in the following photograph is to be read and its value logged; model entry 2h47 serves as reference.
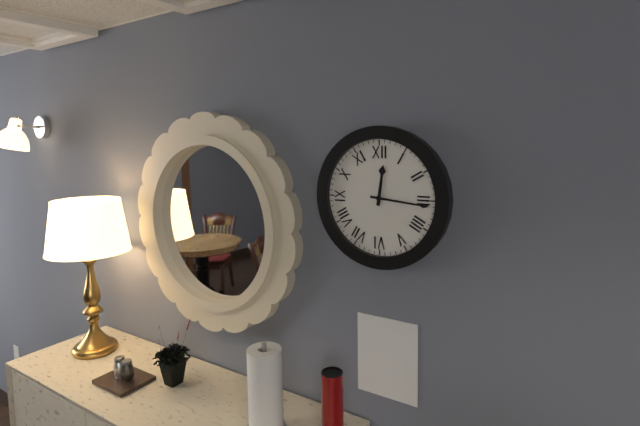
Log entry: 12h16
